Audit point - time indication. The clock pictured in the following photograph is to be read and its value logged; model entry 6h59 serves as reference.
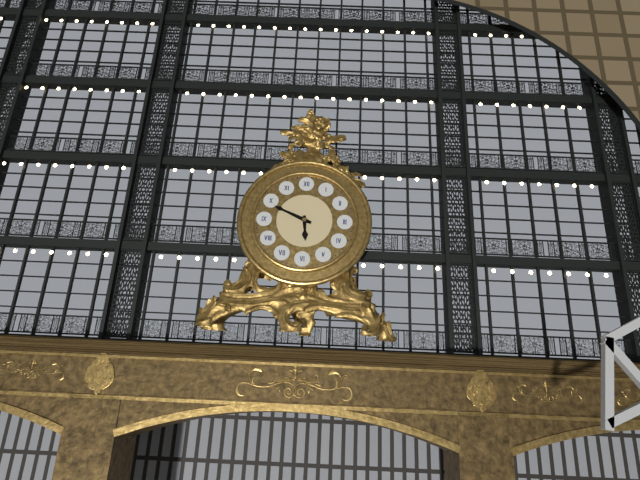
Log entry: 5h49
